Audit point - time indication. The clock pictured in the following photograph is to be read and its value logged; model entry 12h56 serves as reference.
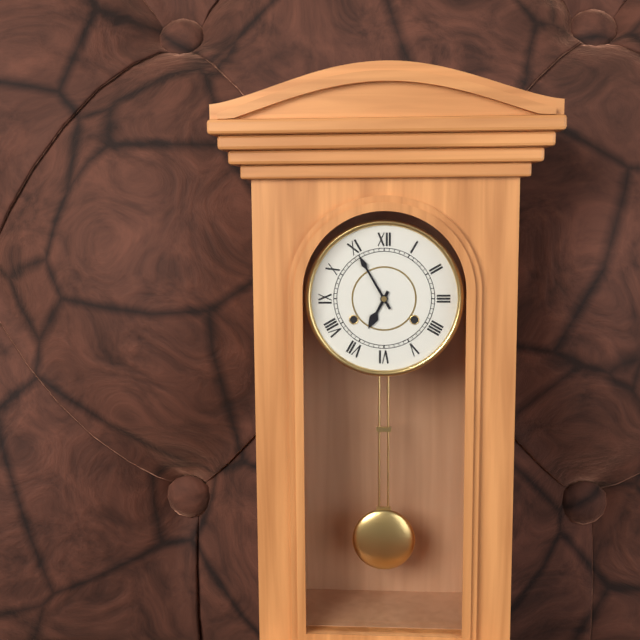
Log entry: 6h55
